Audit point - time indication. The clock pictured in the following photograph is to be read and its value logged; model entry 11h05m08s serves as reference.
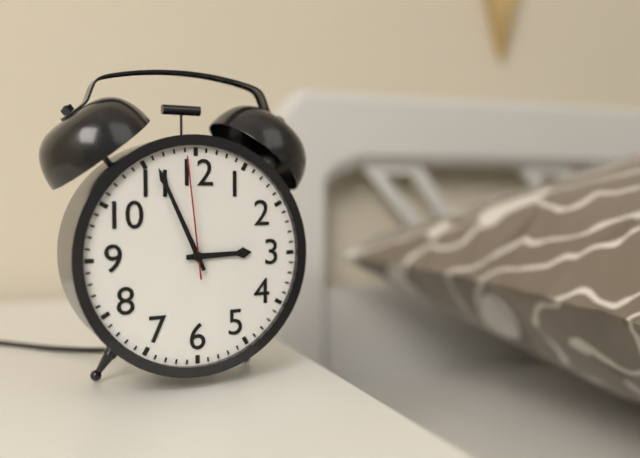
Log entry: 2h56m59s
